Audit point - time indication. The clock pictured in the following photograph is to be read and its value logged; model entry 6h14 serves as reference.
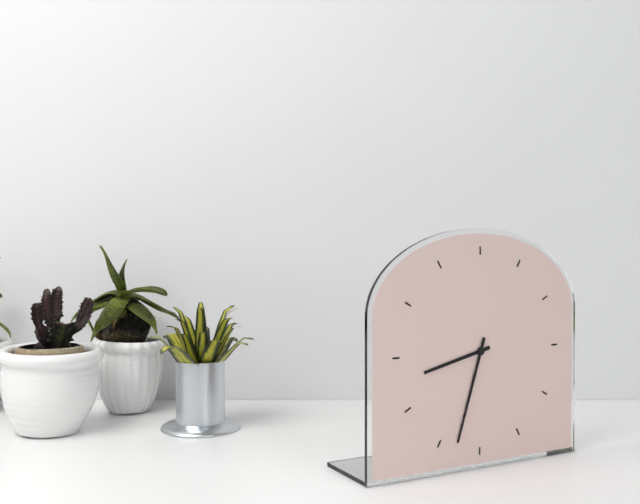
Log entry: 8h33
